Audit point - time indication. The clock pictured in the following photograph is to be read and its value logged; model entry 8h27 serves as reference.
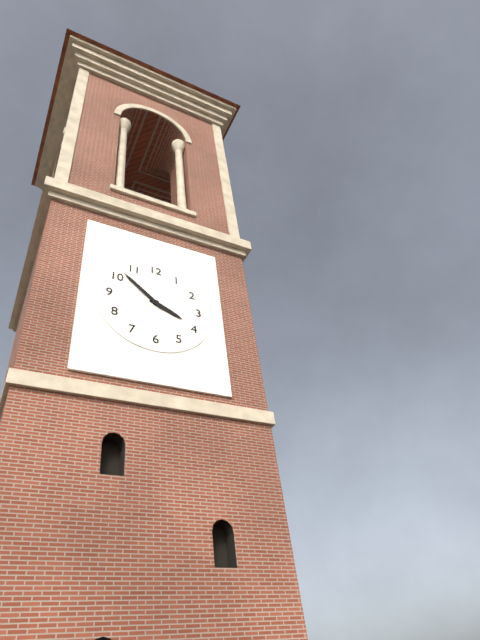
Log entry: 3h52
